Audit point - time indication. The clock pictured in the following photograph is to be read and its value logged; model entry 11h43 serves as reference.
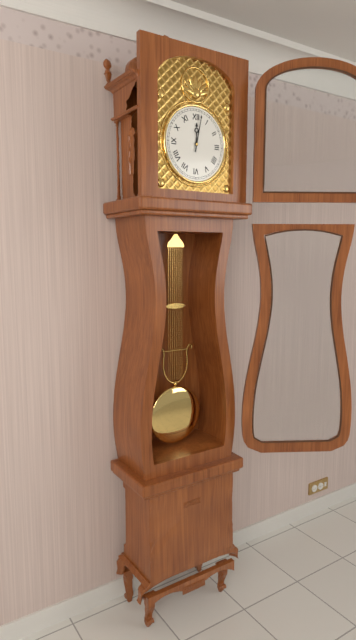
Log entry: 12h02
